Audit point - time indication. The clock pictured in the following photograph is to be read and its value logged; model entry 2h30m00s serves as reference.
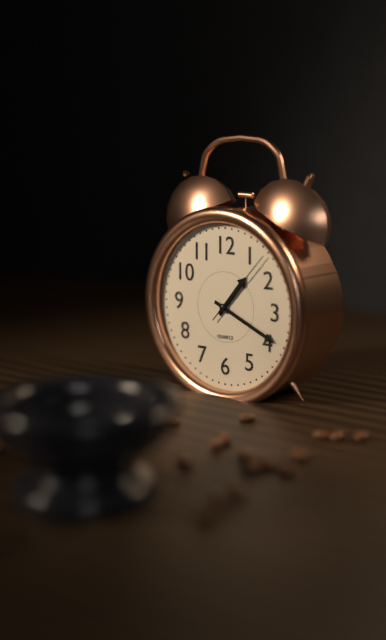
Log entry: 1h19m07s
